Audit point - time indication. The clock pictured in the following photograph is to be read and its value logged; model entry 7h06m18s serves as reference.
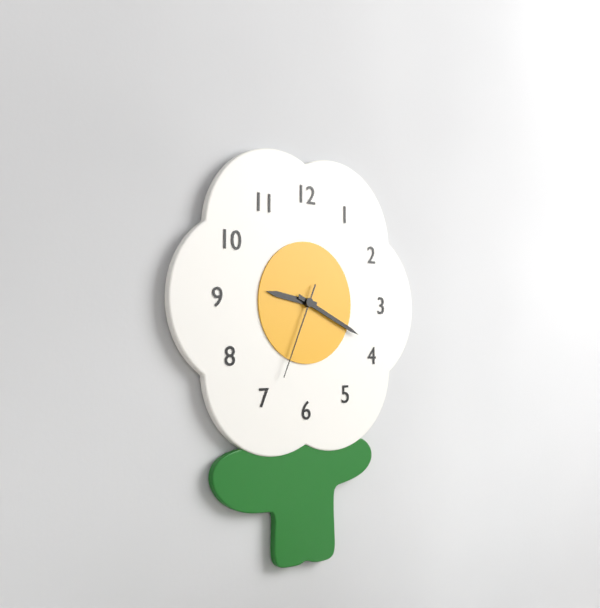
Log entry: 9h19m34s
